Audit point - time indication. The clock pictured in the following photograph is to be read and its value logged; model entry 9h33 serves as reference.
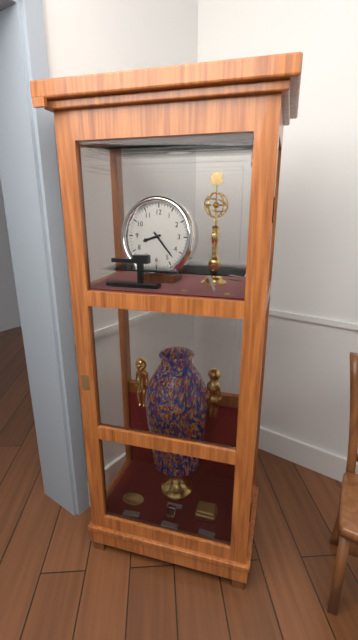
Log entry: 8h23
